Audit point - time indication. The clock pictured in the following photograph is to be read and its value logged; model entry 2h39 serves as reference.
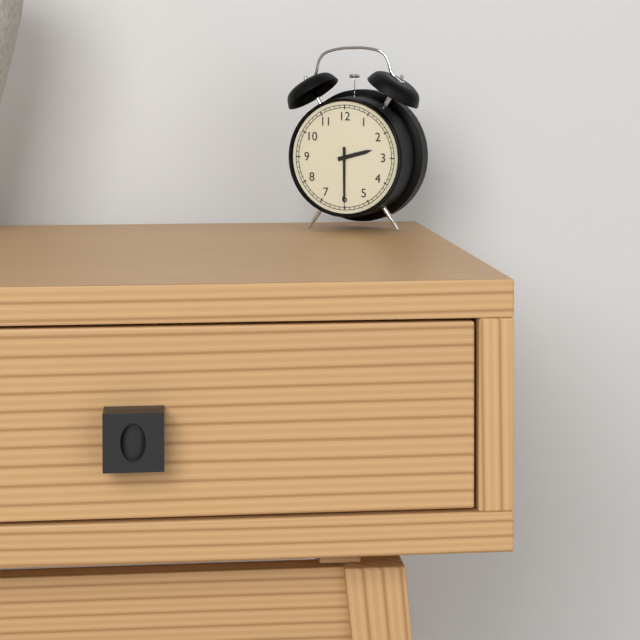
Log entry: 2h30
